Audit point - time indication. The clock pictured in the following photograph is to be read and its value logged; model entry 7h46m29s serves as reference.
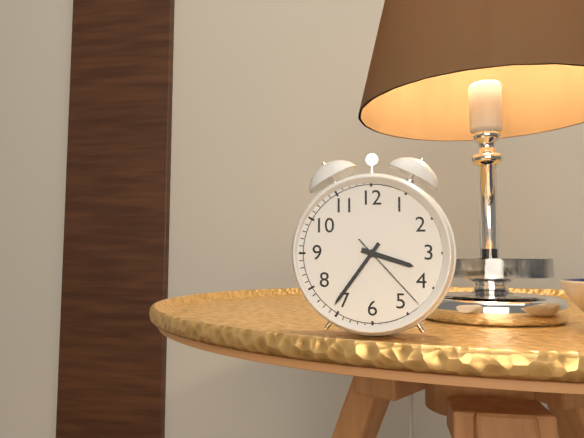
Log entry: 3h36m23s
